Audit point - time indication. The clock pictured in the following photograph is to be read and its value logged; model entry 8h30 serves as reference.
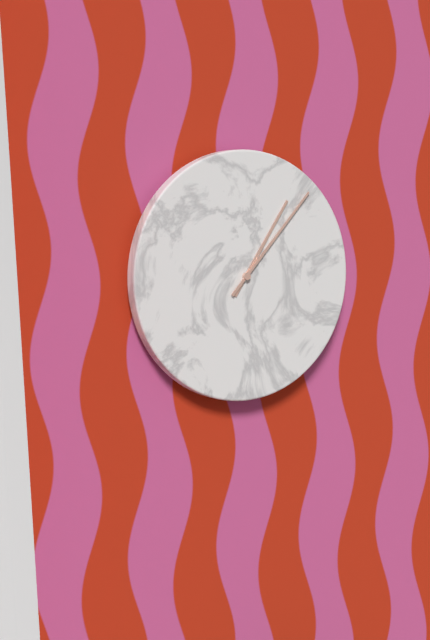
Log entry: 1h07
